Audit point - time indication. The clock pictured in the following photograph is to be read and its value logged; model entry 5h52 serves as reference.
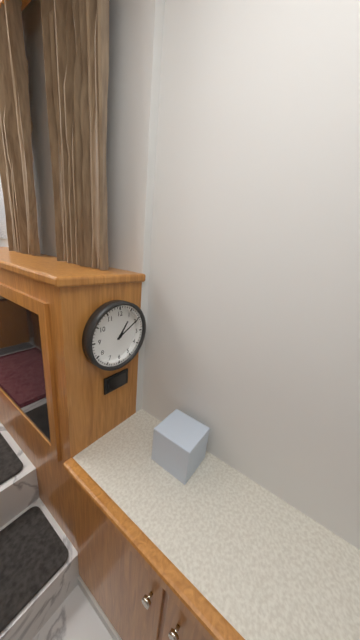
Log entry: 1h10
